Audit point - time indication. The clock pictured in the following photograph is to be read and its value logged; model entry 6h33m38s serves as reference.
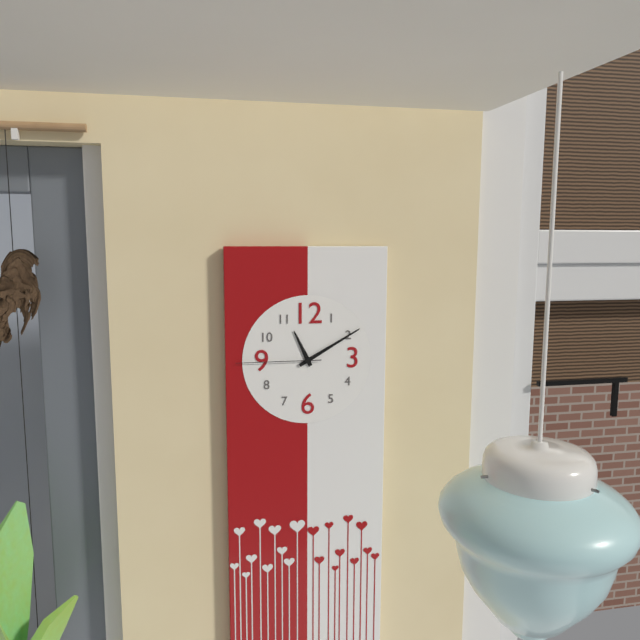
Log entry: 11h10m45s
